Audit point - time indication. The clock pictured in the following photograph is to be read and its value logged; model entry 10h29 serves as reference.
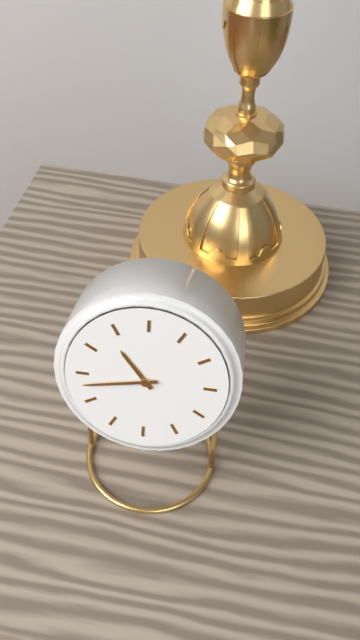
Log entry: 10h43
